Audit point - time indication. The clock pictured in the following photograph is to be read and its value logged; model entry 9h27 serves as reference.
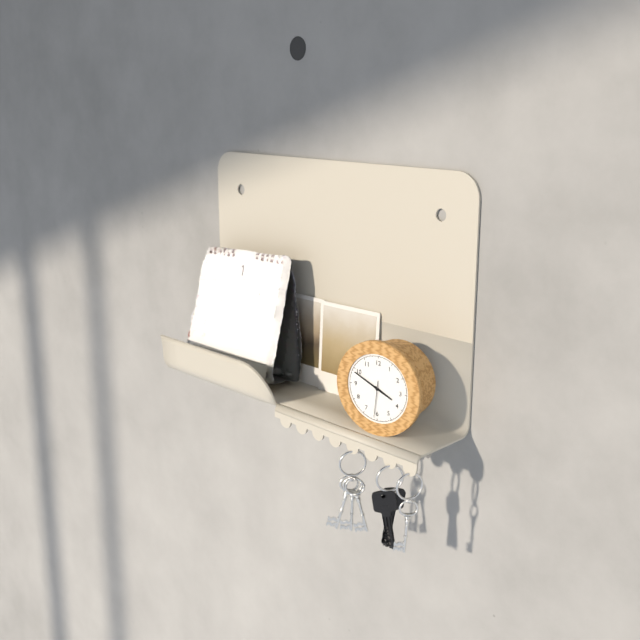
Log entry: 3h49
